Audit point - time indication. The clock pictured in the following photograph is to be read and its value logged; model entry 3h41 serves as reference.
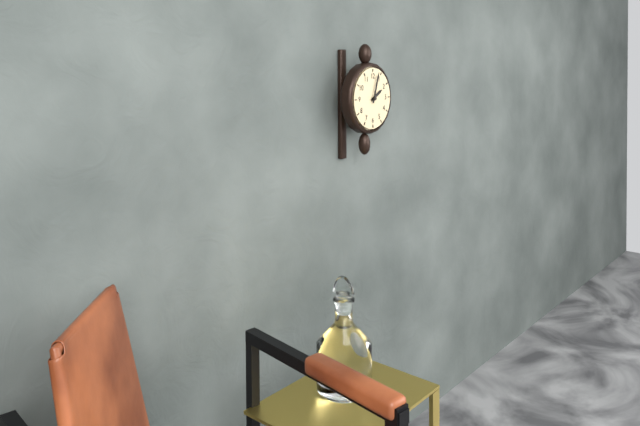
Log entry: 2h03
